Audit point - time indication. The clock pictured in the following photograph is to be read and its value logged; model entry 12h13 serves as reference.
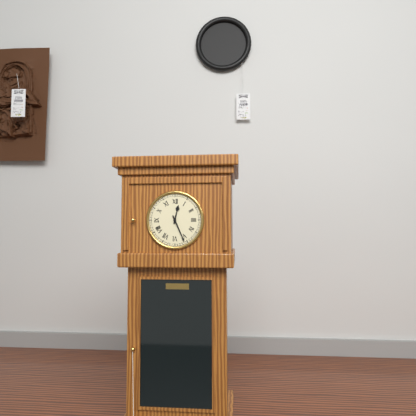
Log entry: 12h26
